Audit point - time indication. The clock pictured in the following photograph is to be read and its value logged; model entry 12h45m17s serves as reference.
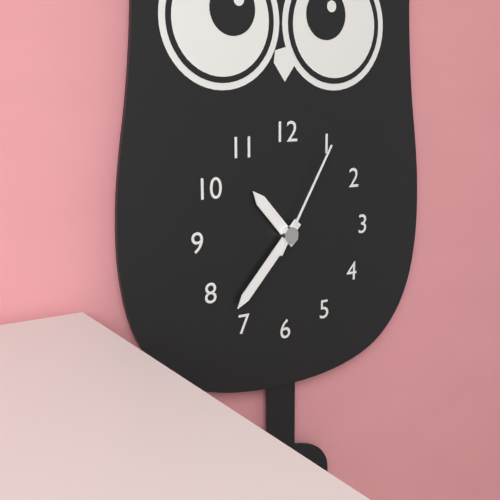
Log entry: 10h37m05s
